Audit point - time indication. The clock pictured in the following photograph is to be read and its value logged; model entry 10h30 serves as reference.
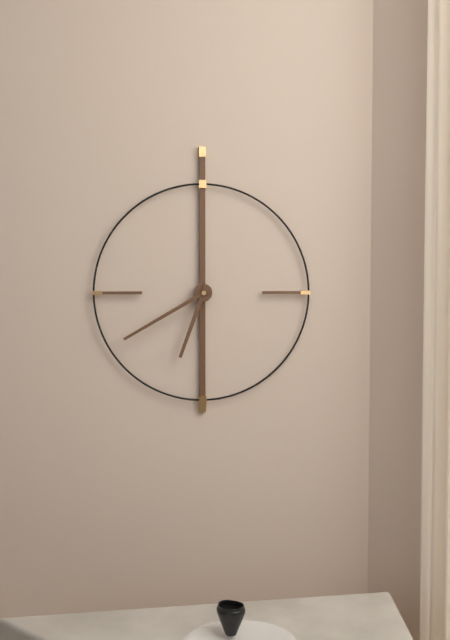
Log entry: 6h40
